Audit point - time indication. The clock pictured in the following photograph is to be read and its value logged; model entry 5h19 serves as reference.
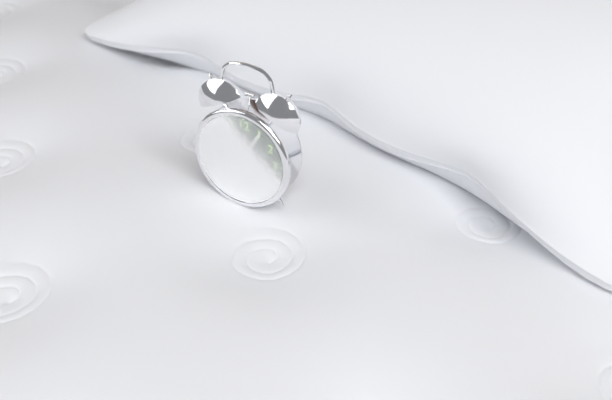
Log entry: 12h05
